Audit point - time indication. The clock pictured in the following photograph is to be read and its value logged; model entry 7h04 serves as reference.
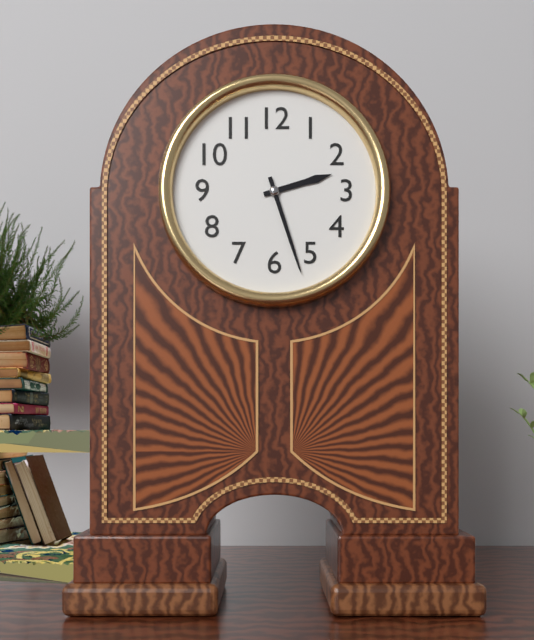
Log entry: 2h27
